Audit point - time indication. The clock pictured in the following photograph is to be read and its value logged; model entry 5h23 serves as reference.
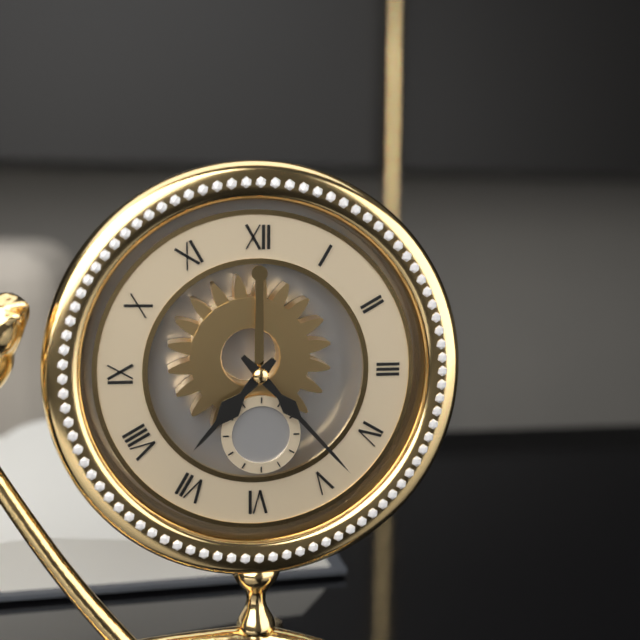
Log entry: 7h23
